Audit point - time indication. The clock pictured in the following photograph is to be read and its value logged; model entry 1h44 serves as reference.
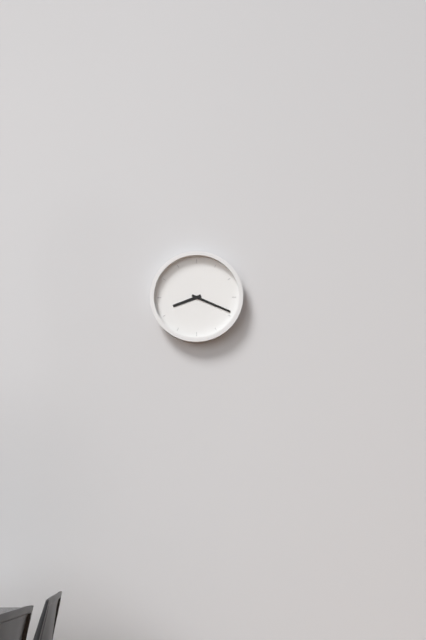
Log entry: 8h19
